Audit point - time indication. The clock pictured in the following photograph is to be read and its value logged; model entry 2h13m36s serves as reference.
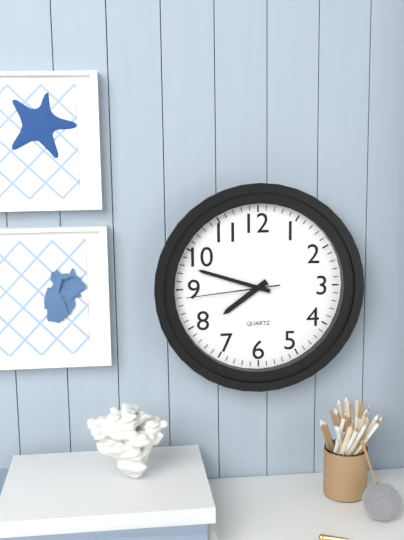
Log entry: 7h48m44s
